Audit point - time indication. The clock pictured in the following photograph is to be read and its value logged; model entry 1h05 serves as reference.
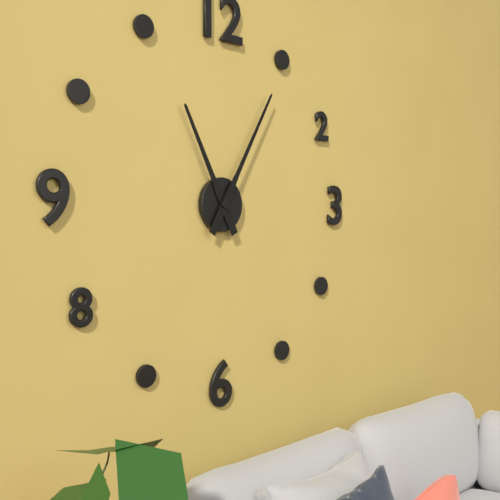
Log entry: 11h05
